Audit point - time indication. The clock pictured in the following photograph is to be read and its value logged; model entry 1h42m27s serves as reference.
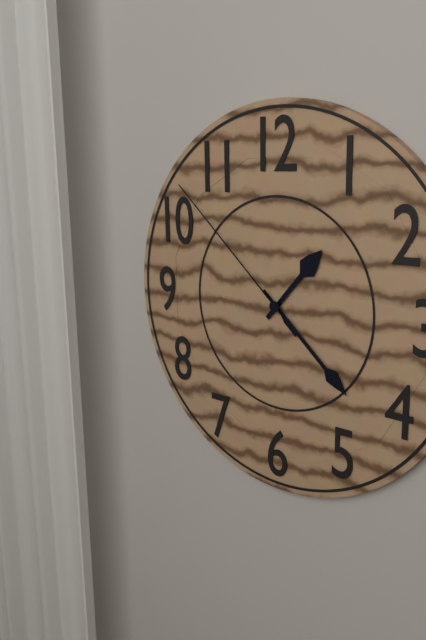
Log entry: 1h22m52s
